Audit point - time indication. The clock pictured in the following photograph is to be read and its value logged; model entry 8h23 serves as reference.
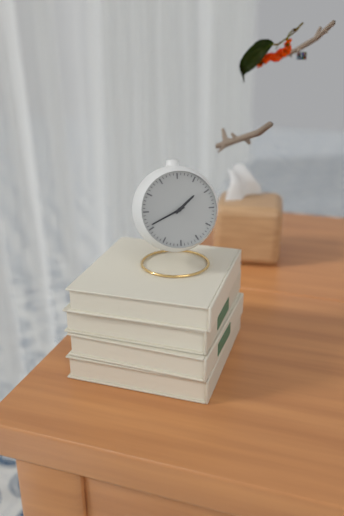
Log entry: 1h41
